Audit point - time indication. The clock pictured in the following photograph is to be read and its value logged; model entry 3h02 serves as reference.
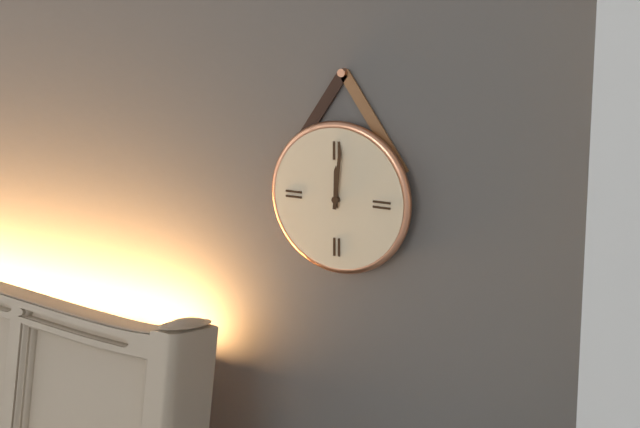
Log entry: 12h01
